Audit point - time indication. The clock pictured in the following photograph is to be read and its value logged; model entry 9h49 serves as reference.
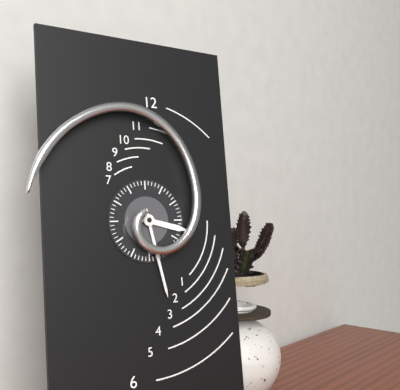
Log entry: 3h28
